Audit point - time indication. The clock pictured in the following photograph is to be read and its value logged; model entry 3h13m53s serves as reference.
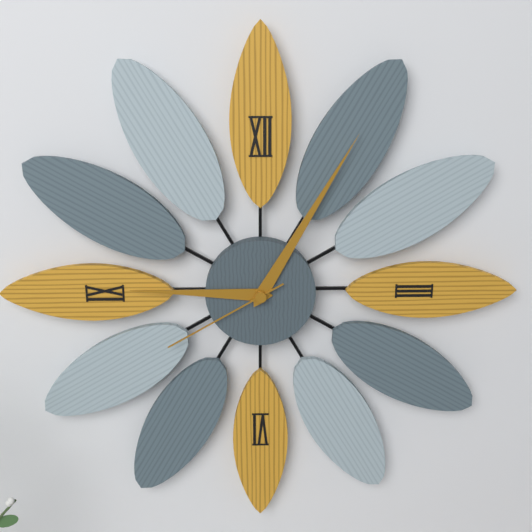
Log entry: 9h05m40s
